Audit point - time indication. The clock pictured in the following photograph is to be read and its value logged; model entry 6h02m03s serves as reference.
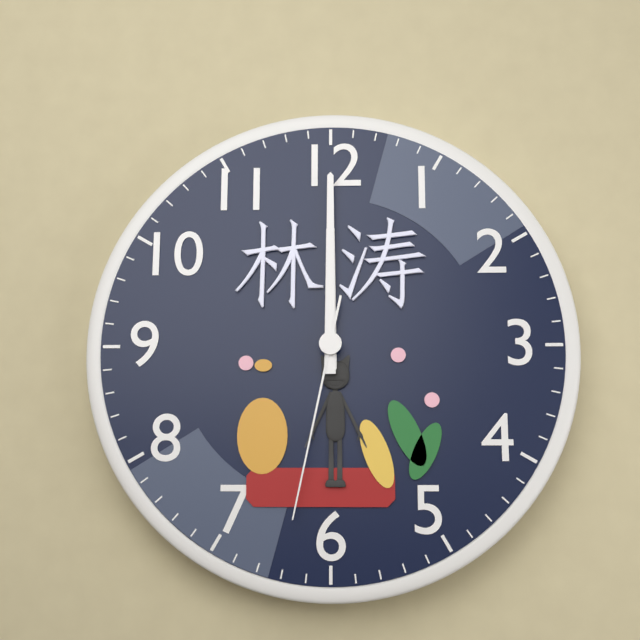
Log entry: 12h00m32s
